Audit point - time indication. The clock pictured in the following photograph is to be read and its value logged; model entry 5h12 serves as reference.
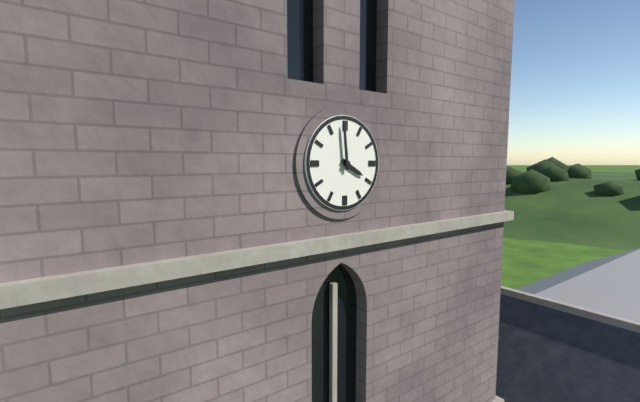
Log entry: 3h59
